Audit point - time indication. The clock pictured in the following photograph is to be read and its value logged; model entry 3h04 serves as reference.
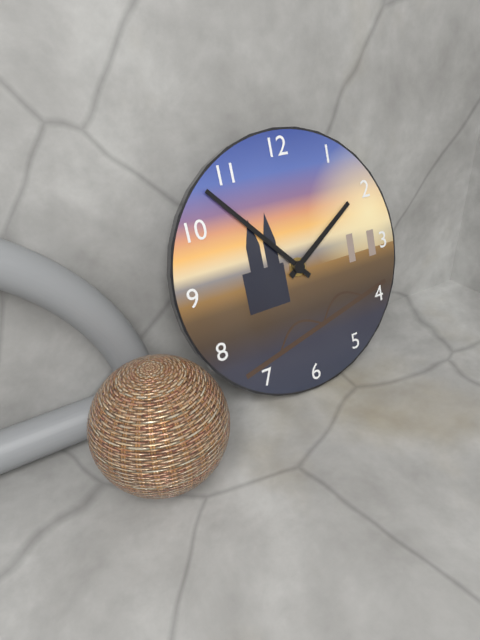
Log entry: 1h53
